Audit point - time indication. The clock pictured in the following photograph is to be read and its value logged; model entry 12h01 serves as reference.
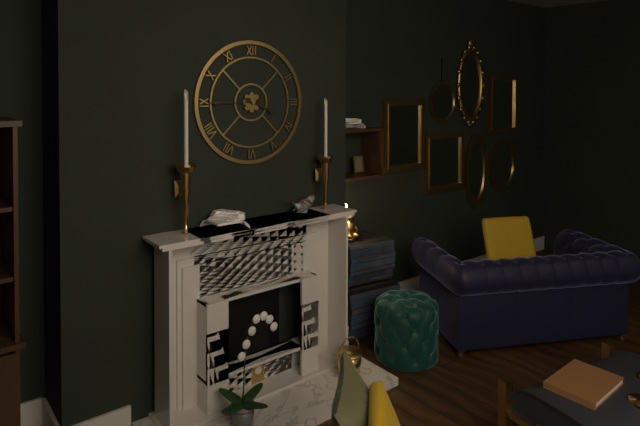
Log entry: 3h45
